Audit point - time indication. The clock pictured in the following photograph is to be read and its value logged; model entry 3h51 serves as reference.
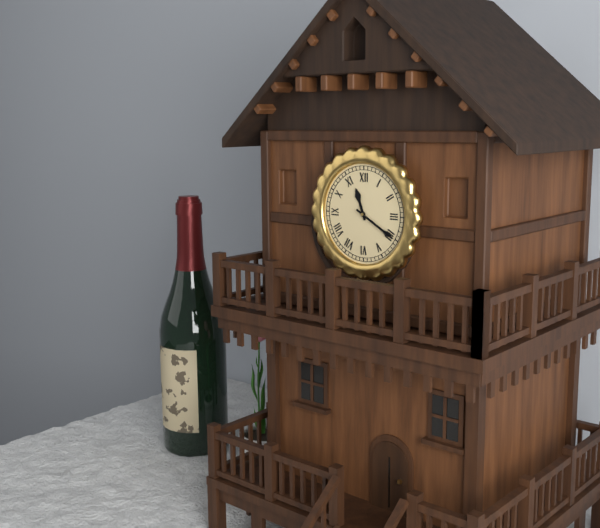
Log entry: 11h20
